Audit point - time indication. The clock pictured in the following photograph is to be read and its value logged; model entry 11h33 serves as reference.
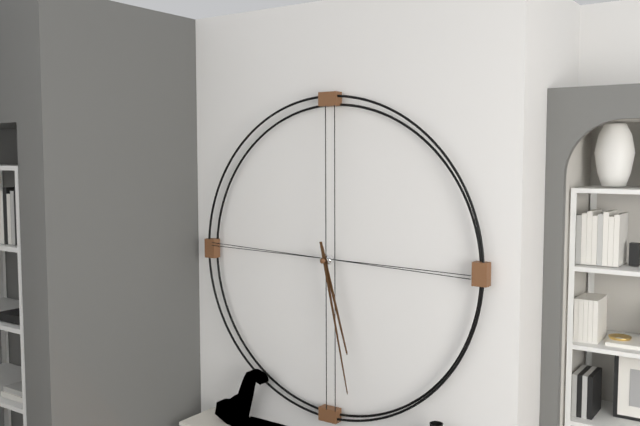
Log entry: 5h28
